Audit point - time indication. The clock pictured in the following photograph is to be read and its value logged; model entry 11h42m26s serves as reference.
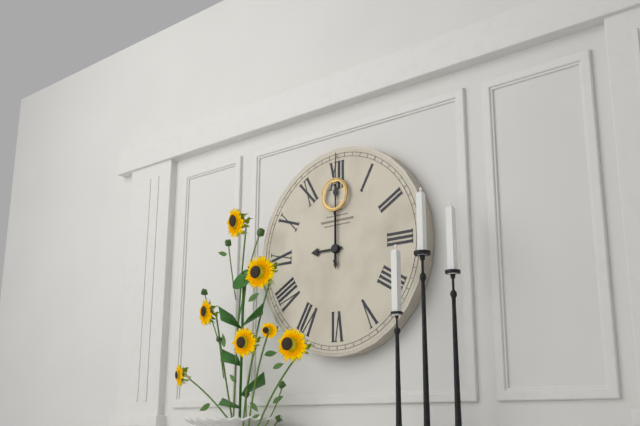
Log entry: 9h00m00s
